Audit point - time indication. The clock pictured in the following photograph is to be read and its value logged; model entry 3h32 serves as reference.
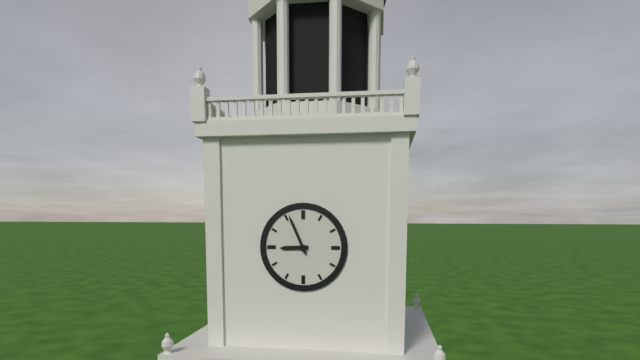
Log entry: 8h56
